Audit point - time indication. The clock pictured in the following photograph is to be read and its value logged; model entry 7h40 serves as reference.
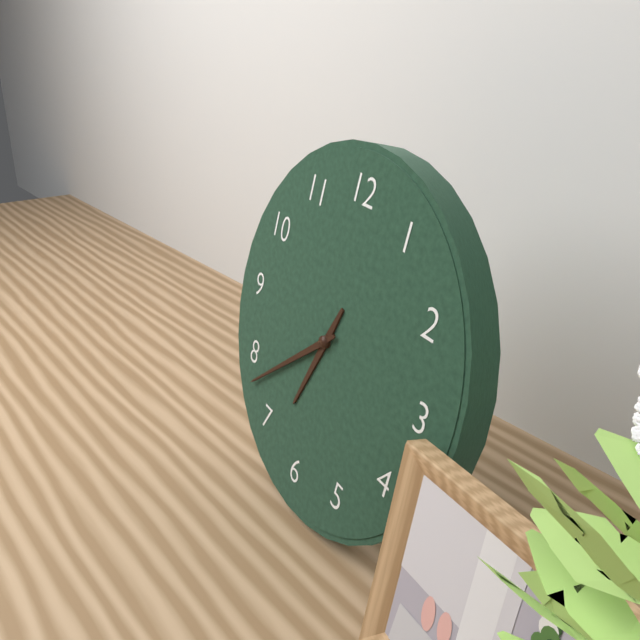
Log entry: 6h38
